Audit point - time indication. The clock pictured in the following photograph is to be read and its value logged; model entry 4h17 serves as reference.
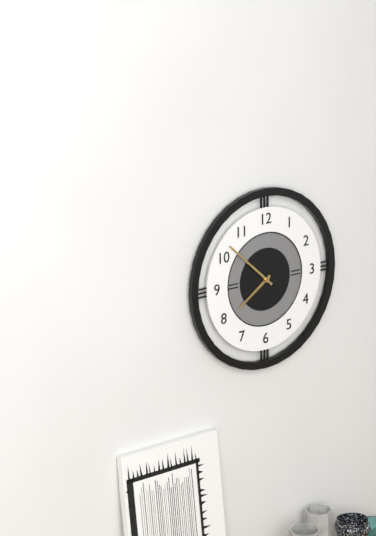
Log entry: 7h52
